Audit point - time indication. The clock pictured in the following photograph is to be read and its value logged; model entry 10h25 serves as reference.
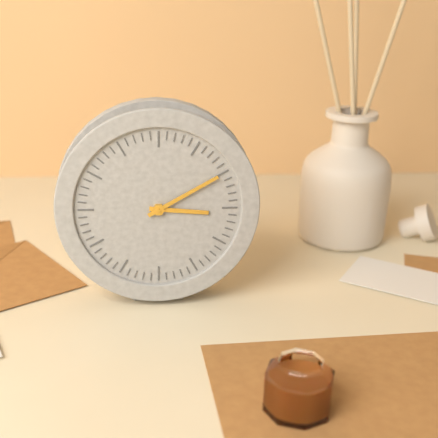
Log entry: 3h10
